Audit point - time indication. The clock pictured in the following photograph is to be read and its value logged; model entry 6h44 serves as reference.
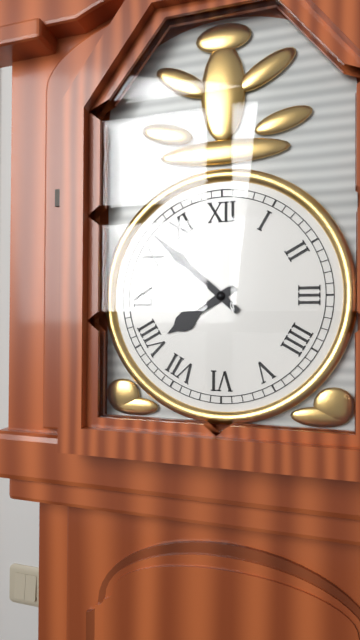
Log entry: 7h52
